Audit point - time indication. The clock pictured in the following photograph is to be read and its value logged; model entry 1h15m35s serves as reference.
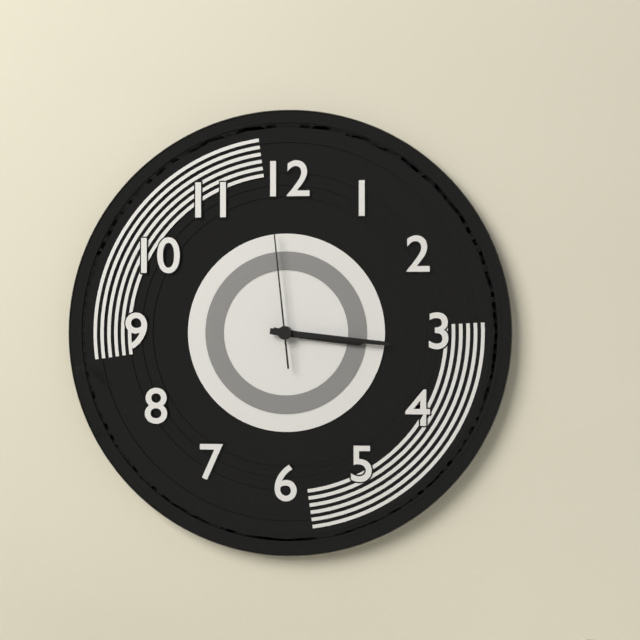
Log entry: 3h16m59s
